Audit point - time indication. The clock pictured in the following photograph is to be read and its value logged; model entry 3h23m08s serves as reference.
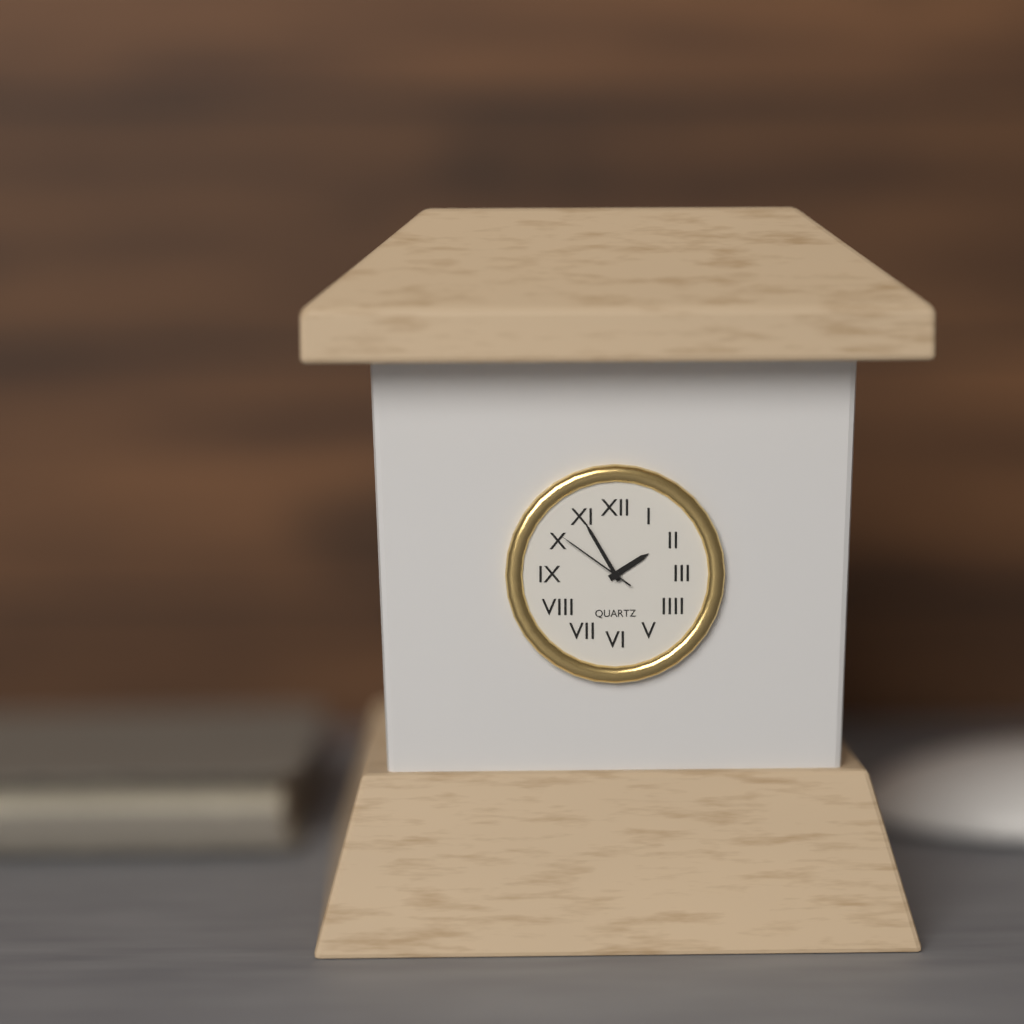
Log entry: 1h55m51s
